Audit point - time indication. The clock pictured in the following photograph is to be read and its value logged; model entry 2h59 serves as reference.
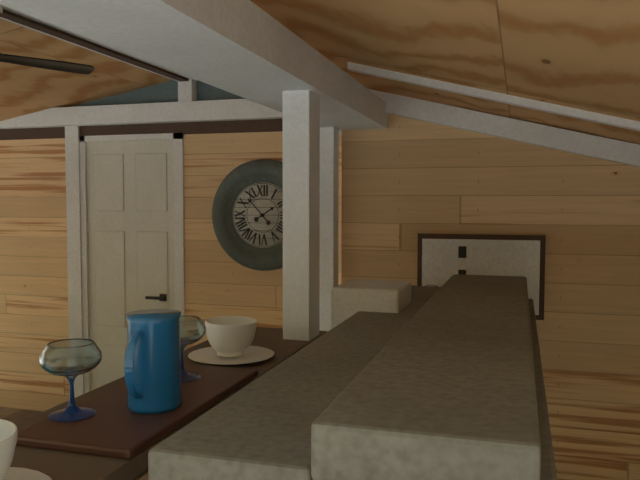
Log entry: 1h53
